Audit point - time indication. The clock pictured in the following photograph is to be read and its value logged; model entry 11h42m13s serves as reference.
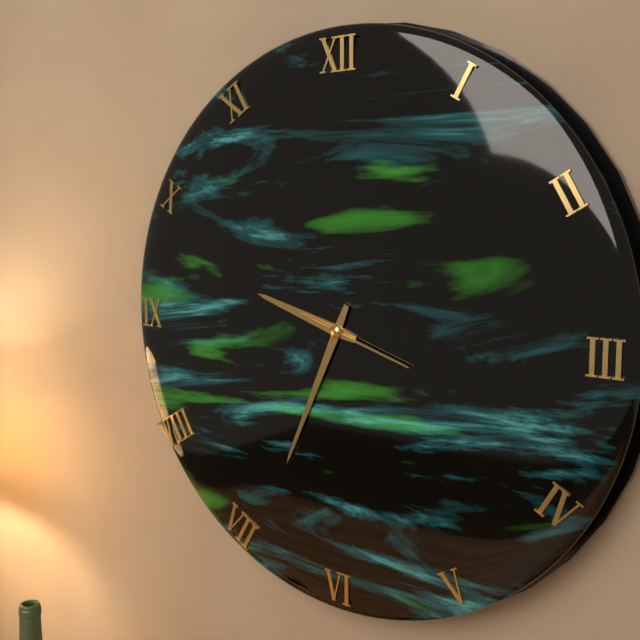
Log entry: 9h34m18s
